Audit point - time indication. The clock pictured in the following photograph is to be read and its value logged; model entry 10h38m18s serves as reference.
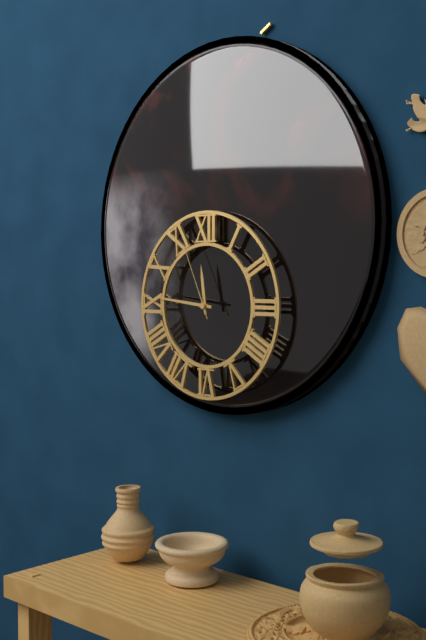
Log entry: 11h46m56s
